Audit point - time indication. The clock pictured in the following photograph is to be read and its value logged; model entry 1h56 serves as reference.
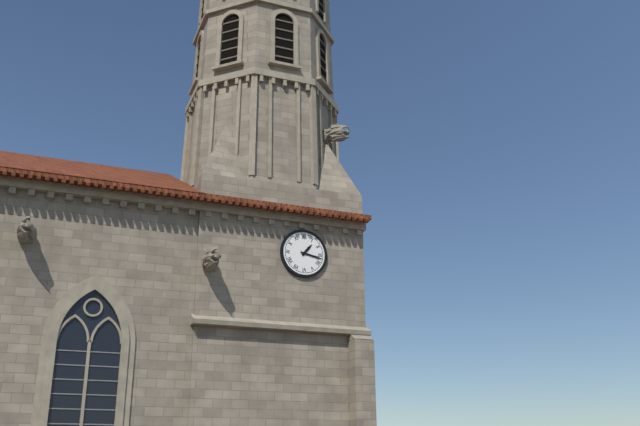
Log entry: 1h17
